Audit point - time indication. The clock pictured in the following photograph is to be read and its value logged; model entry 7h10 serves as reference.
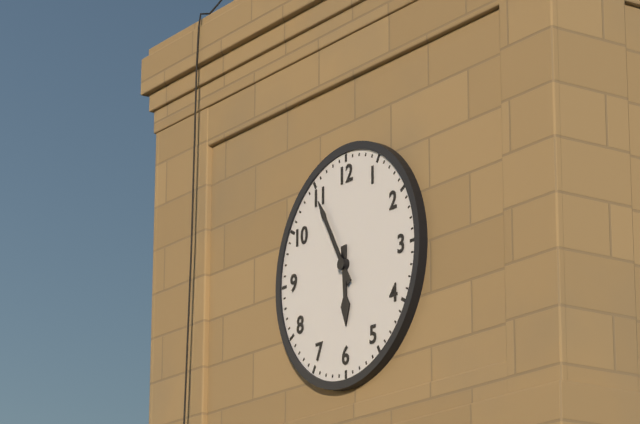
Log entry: 5h55
